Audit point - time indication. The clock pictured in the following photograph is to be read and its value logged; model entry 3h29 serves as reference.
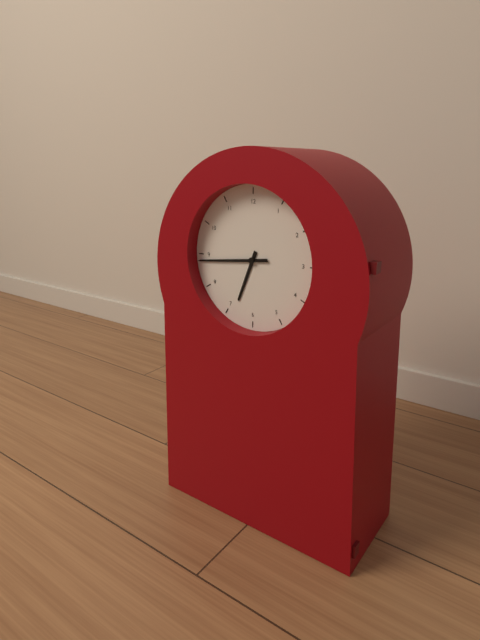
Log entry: 6h44
